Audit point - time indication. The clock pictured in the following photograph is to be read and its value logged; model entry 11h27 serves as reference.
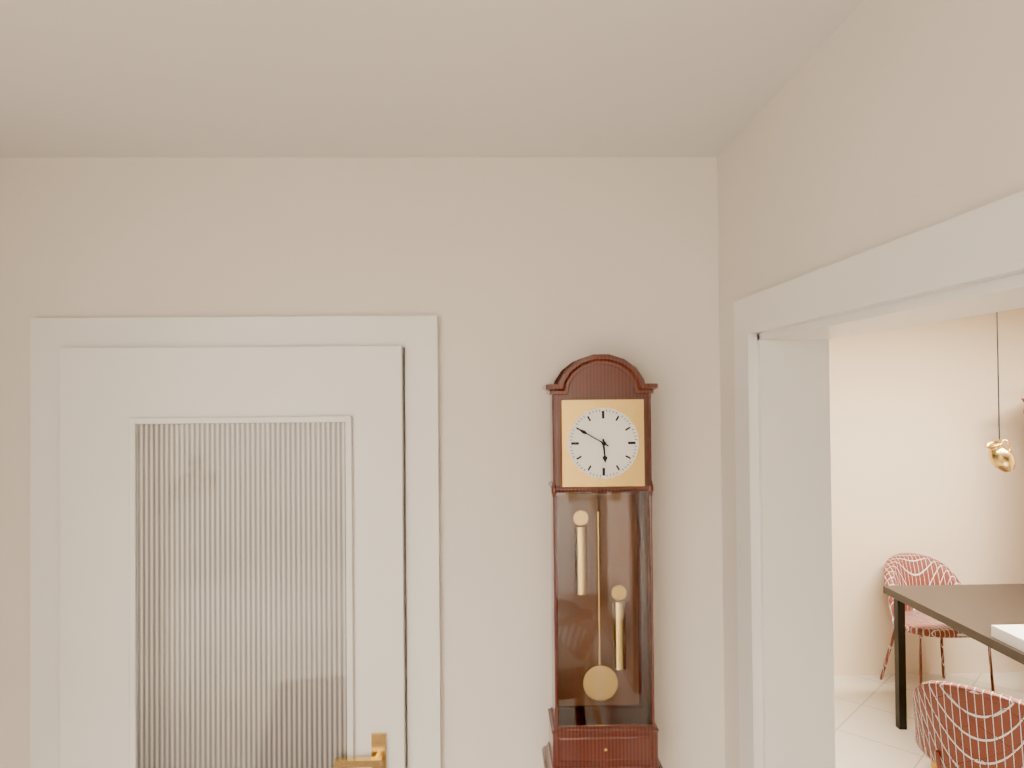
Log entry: 5h50
